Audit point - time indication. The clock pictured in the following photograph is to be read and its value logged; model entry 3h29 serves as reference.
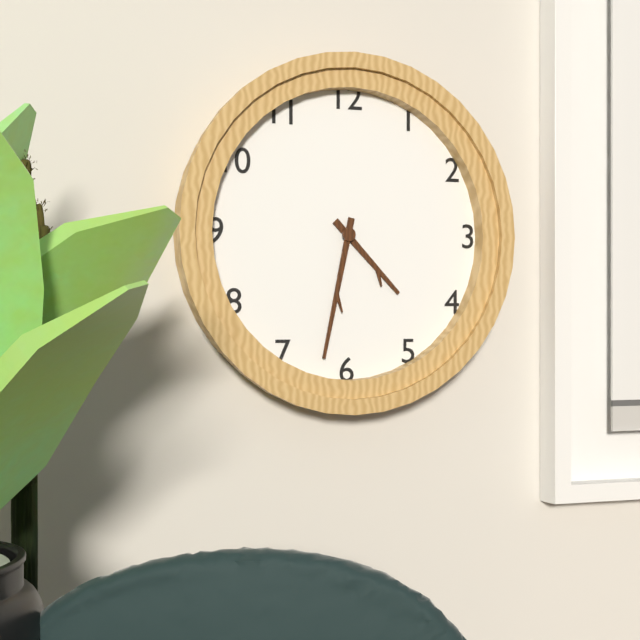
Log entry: 4h32
